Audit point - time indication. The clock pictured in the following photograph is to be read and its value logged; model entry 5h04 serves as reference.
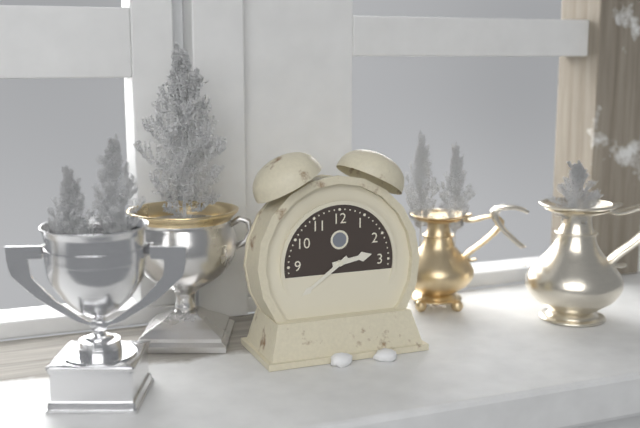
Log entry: 2h39
